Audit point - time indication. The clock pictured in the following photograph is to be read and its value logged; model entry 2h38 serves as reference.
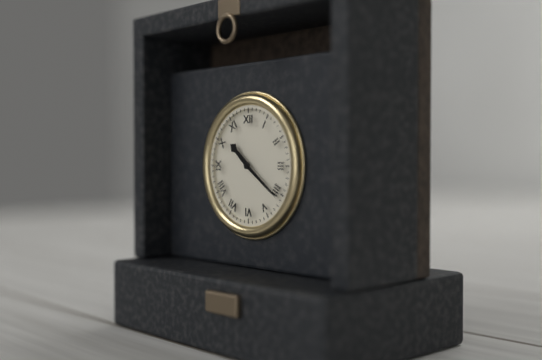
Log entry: 10h21
